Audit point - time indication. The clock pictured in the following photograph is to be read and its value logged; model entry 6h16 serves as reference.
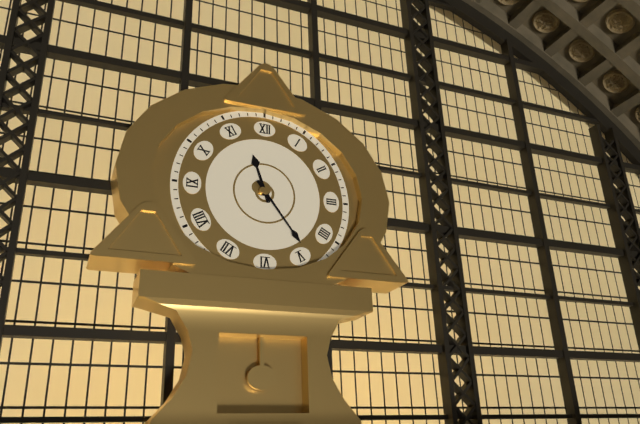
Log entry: 11h24
